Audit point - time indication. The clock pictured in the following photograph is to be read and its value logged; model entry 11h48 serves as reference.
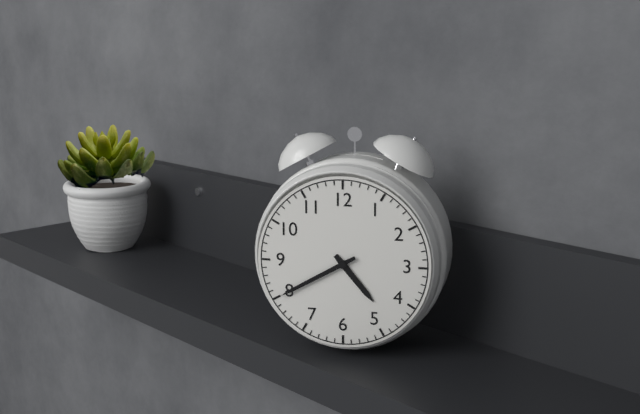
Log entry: 4h40
